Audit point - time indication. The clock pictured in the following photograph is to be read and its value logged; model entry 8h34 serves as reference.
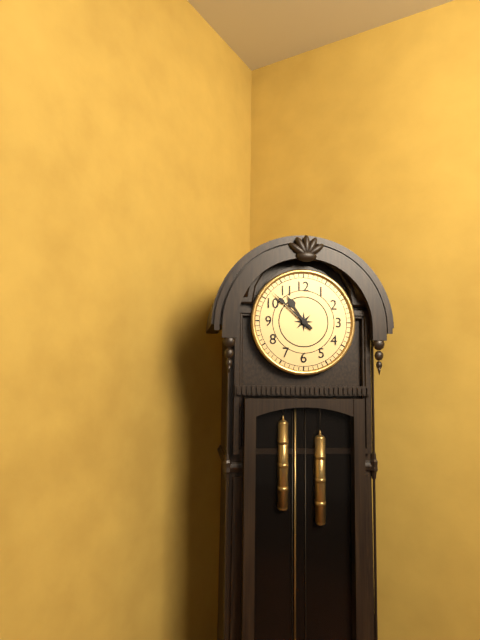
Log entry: 10h52
